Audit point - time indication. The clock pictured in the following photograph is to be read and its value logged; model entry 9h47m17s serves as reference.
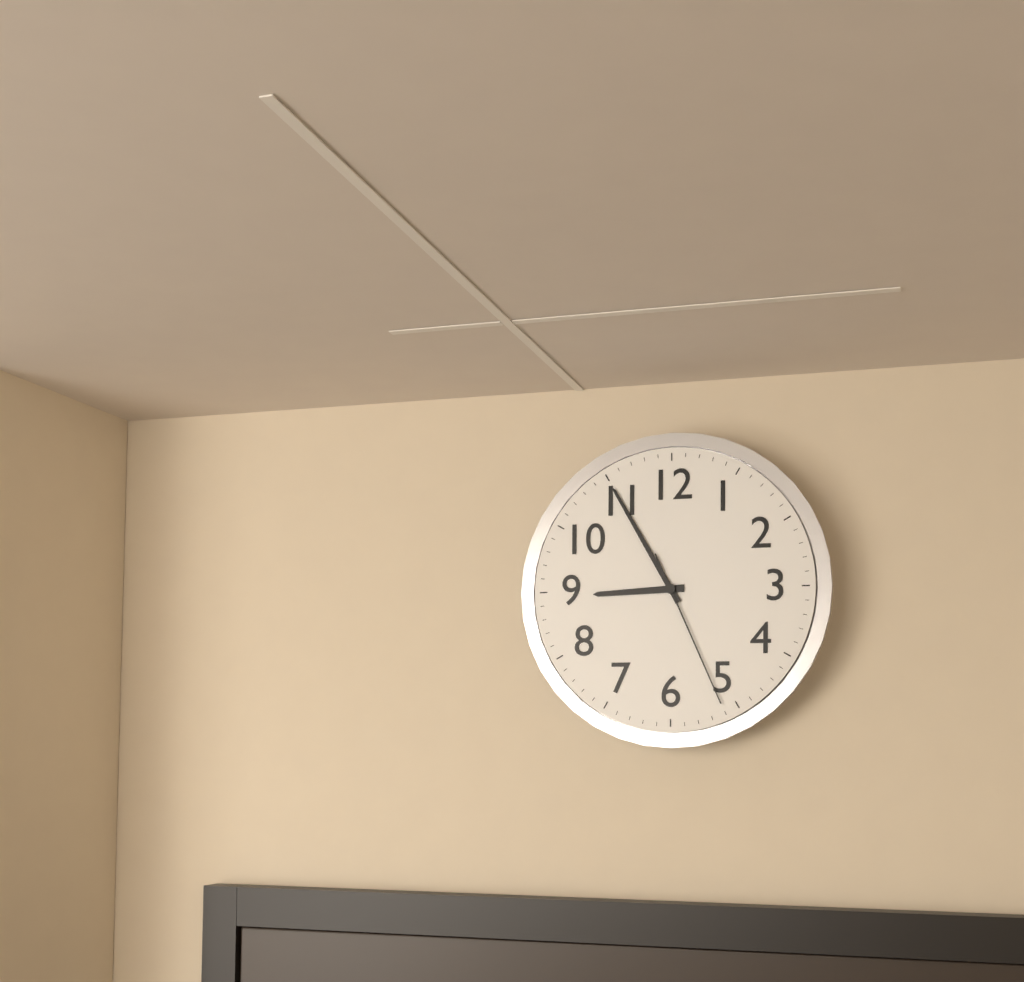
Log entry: 8h55m26s
